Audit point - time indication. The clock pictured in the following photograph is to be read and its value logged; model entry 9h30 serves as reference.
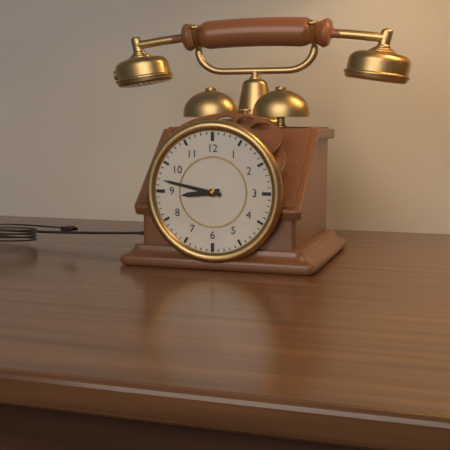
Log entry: 8h47
